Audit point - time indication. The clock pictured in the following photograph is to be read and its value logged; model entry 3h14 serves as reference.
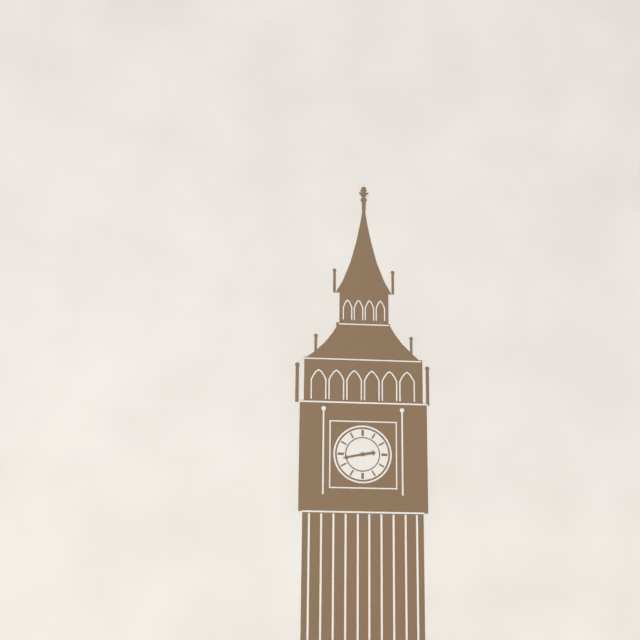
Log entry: 2h43
